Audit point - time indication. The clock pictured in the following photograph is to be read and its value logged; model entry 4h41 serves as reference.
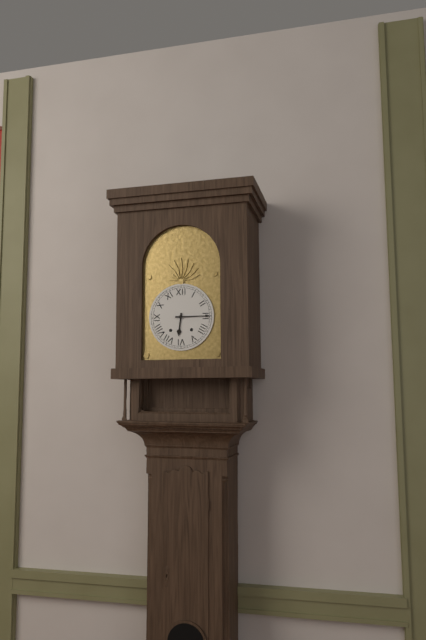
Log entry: 6h15
